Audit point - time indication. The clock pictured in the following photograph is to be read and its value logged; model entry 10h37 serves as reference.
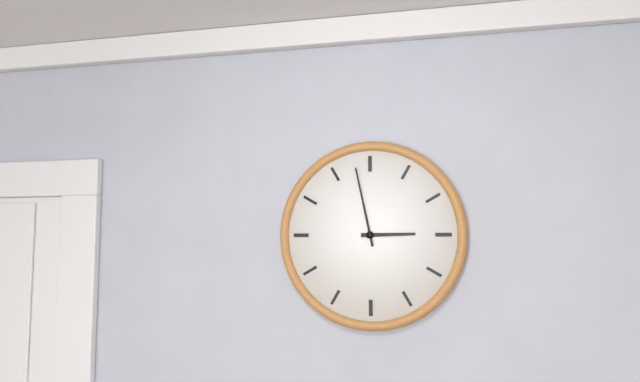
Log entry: 2h58
